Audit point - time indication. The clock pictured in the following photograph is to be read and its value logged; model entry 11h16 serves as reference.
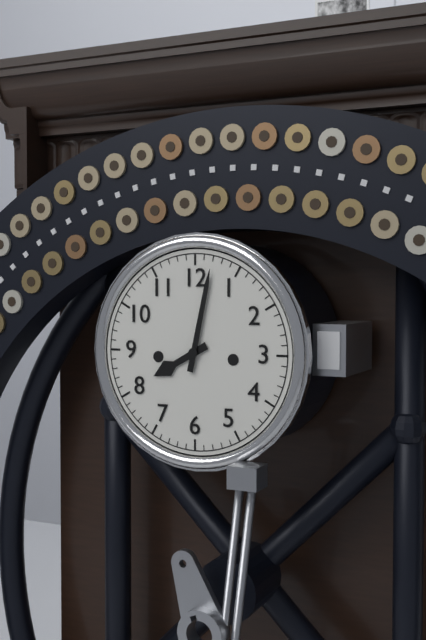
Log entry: 8h02
